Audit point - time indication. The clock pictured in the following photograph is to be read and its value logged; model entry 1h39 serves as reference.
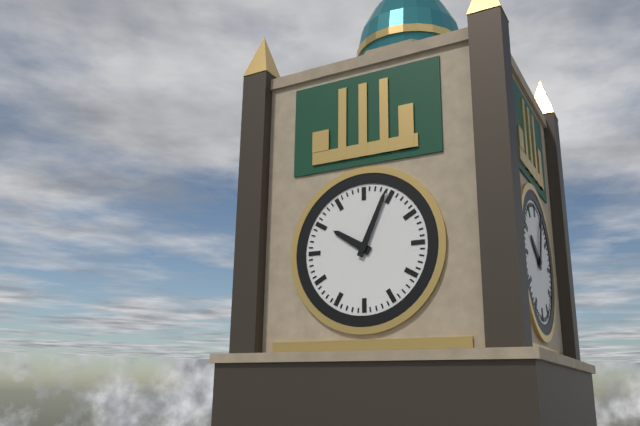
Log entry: 10h04
